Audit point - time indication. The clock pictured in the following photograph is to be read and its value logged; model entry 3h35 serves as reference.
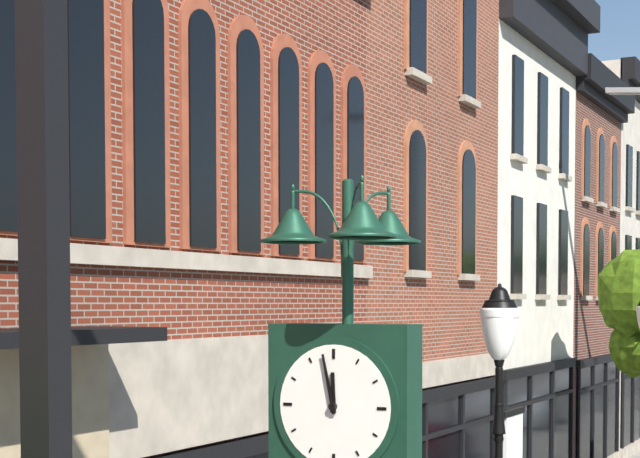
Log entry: 11h58
